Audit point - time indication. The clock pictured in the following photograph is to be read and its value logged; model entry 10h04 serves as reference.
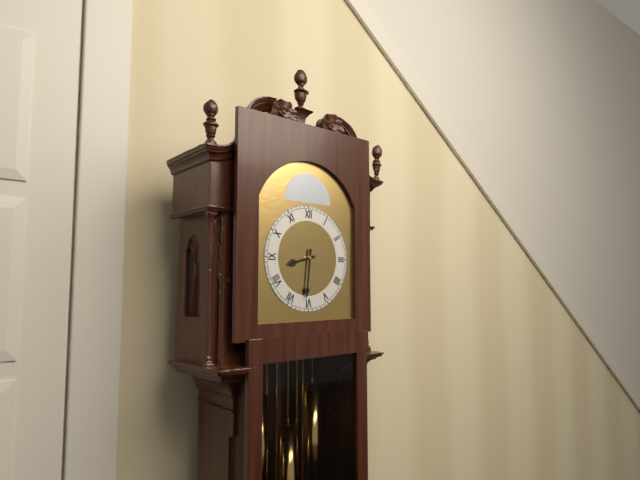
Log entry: 8h31
